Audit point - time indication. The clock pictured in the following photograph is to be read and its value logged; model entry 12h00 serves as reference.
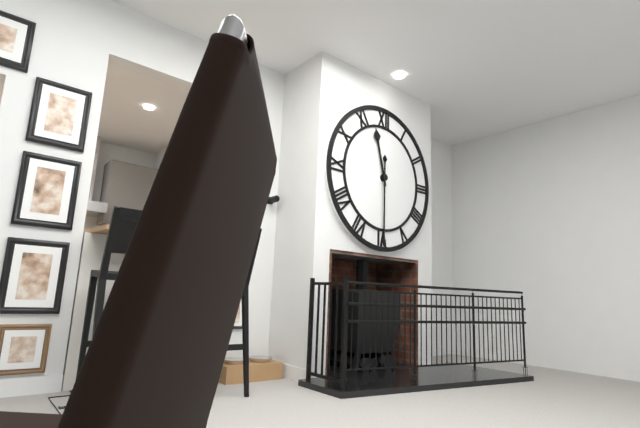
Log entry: 11h30
